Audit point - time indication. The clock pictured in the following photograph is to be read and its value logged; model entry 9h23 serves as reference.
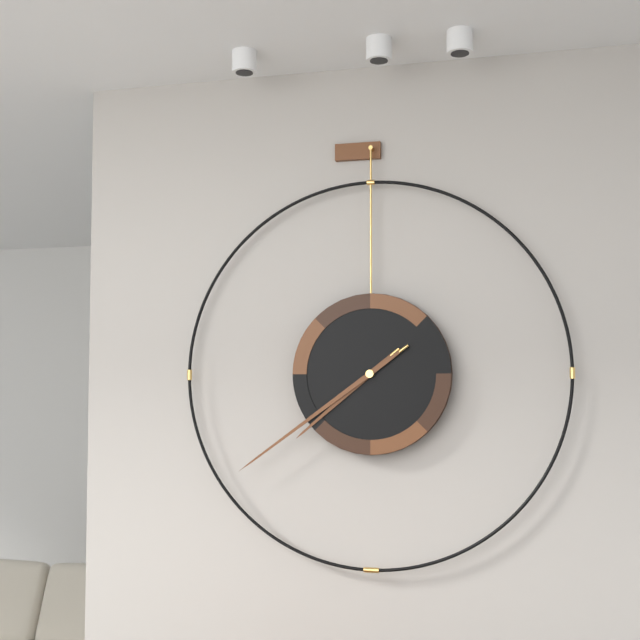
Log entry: 7h39
